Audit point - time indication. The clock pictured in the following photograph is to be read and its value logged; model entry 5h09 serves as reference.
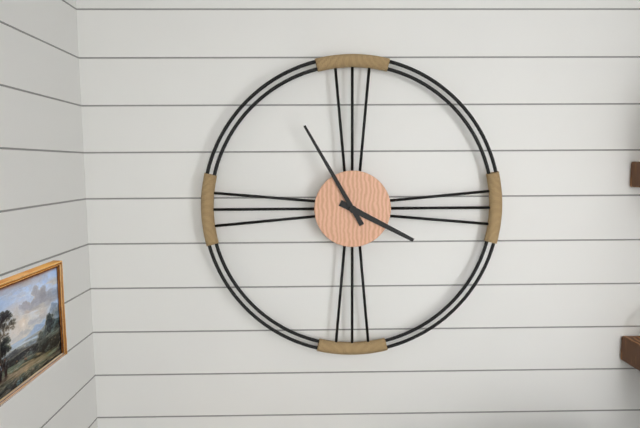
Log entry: 3h55
